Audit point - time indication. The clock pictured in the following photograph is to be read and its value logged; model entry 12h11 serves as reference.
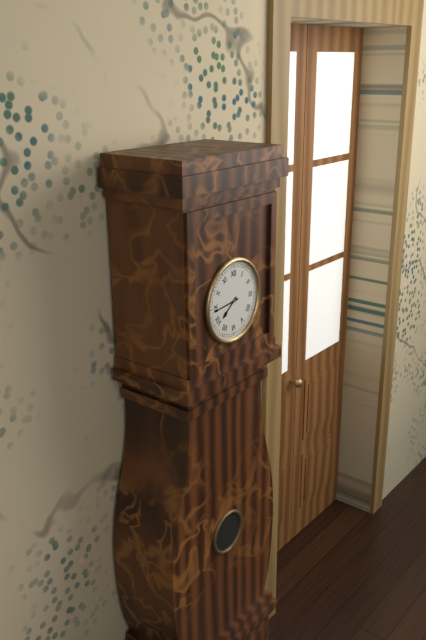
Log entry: 7h44
